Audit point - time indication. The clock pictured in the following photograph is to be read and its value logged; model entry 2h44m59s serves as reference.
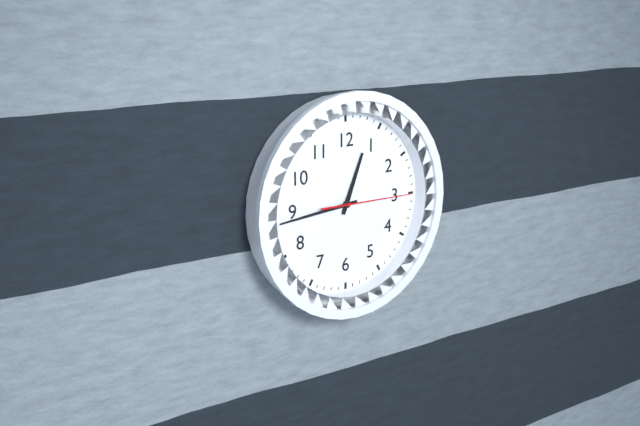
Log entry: 12h44m15s
